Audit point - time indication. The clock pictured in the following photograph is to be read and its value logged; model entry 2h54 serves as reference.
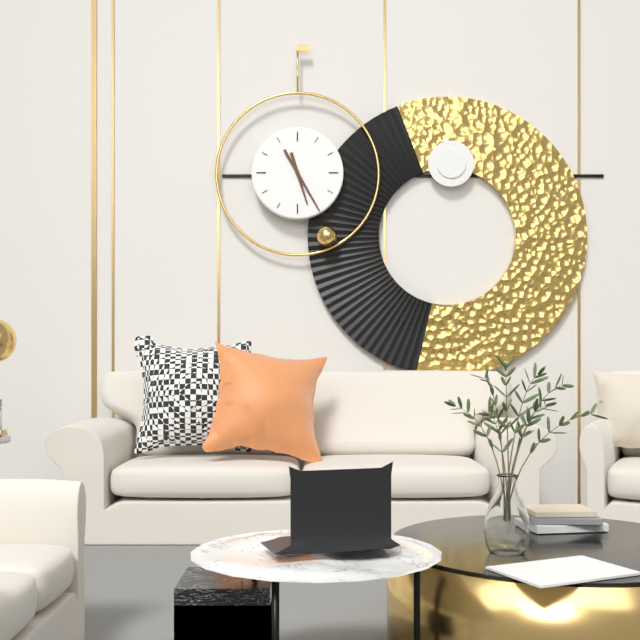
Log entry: 5h25
